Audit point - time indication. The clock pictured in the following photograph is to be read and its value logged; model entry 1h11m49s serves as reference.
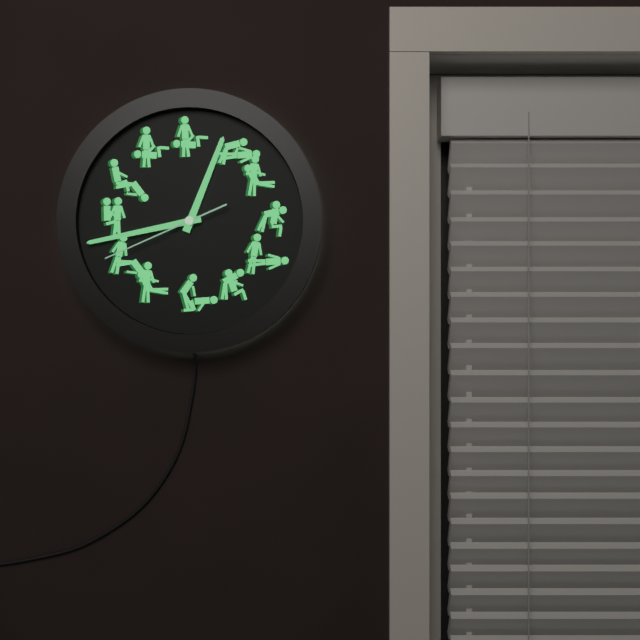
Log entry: 12h43m41s
